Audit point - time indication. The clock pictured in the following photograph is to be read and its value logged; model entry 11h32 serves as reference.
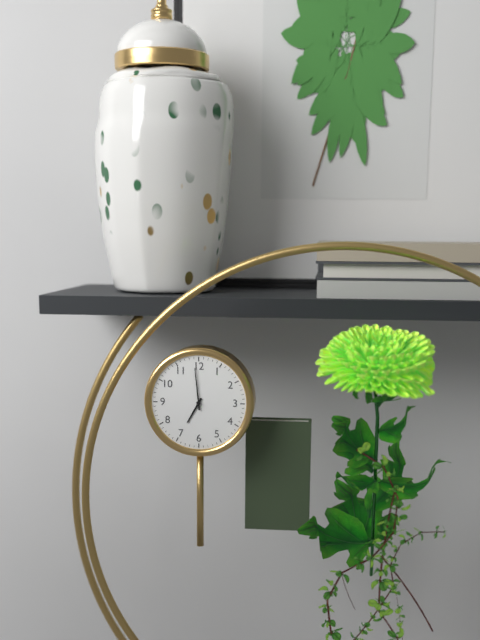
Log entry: 6h59
